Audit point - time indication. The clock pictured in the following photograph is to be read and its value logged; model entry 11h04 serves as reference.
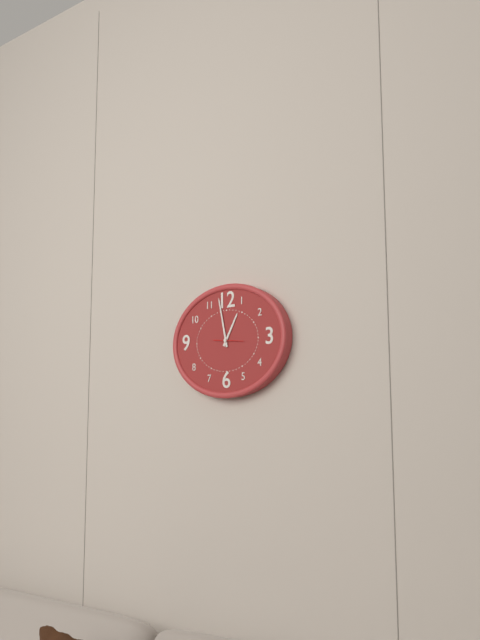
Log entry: 12h58
